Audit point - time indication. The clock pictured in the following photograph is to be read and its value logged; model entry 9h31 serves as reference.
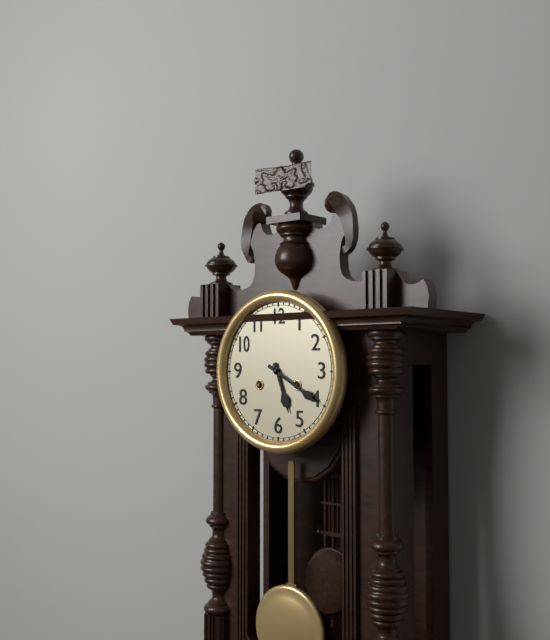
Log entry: 5h20
